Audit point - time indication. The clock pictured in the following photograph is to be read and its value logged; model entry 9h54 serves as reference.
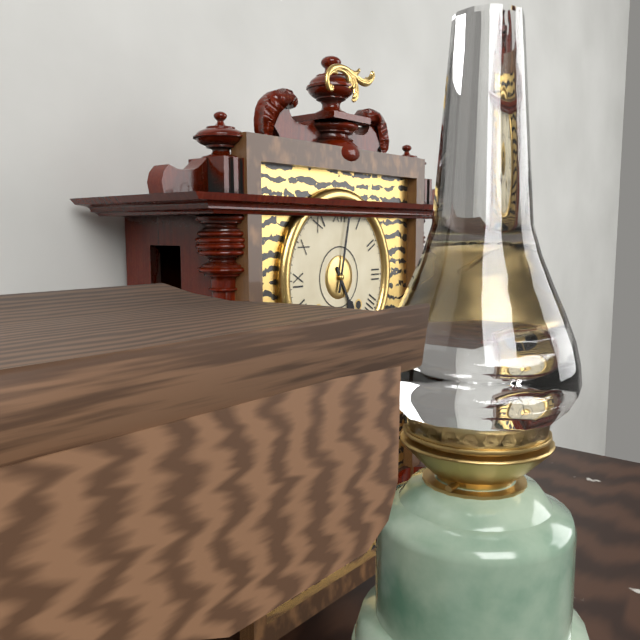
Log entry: 5h02
